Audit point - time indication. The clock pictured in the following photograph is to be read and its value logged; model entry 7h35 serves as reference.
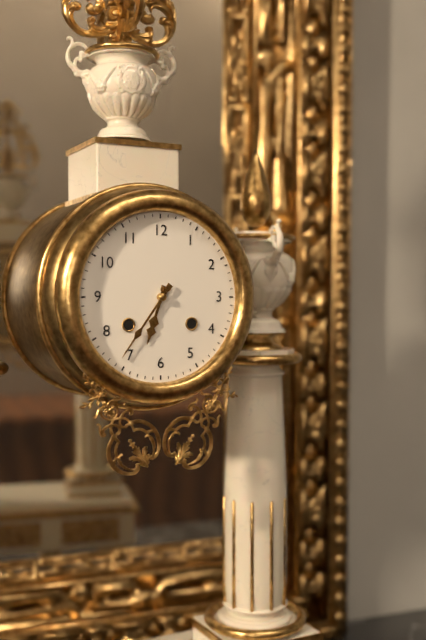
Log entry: 6h36
